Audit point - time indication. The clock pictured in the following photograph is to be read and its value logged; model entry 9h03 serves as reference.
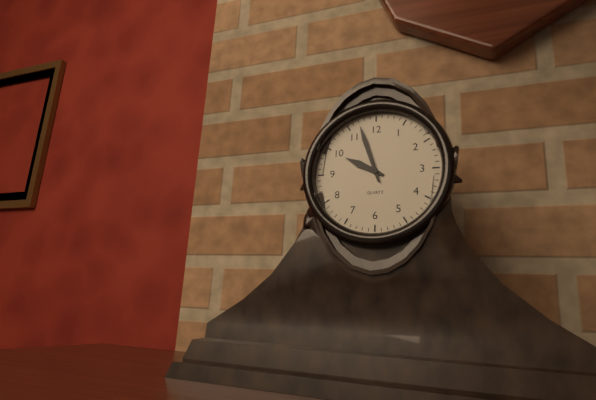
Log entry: 9h57
